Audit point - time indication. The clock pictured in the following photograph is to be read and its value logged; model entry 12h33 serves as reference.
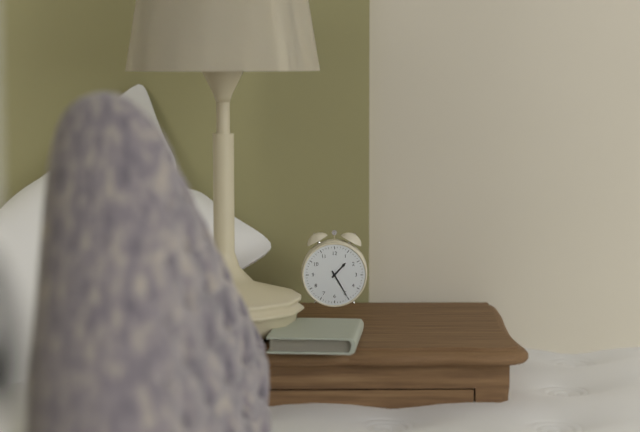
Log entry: 1h25
